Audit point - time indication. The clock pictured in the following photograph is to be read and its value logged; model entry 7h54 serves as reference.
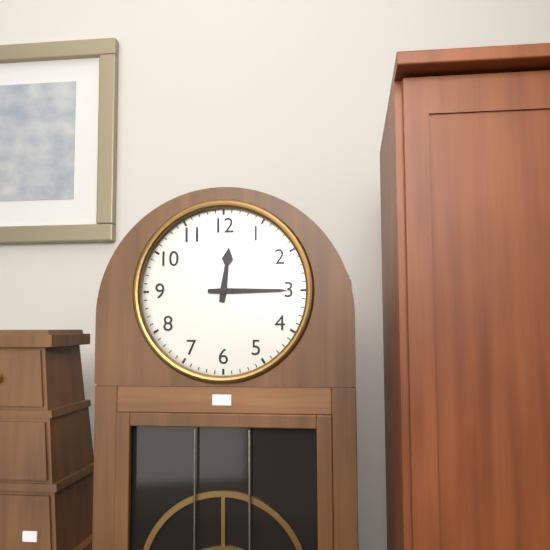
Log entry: 12h15
